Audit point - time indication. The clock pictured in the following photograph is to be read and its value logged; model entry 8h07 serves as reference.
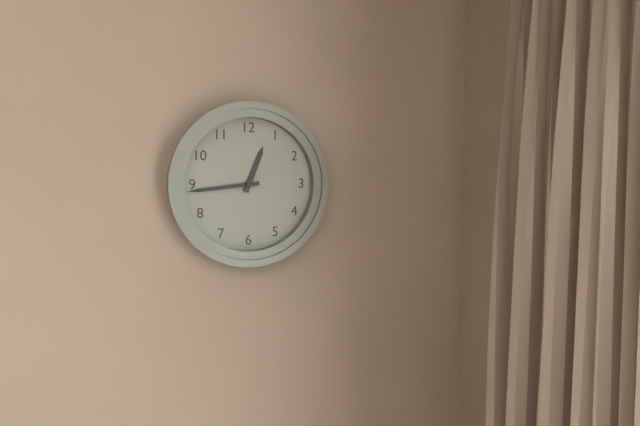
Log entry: 12h44
